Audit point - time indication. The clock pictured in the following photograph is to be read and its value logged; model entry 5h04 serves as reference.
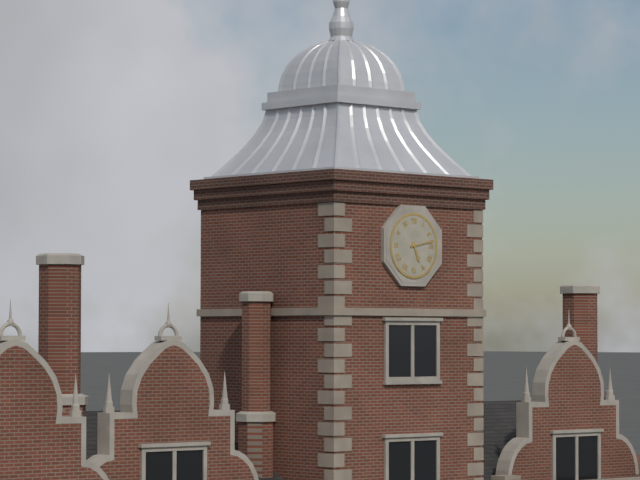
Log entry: 5h13
